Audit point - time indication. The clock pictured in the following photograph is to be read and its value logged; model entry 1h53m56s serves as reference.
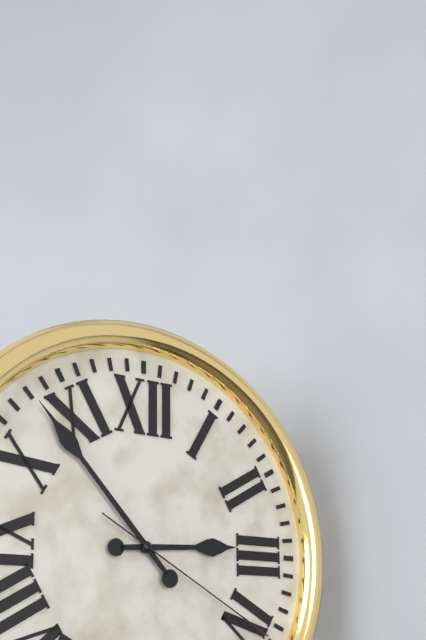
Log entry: 2h53m20s
